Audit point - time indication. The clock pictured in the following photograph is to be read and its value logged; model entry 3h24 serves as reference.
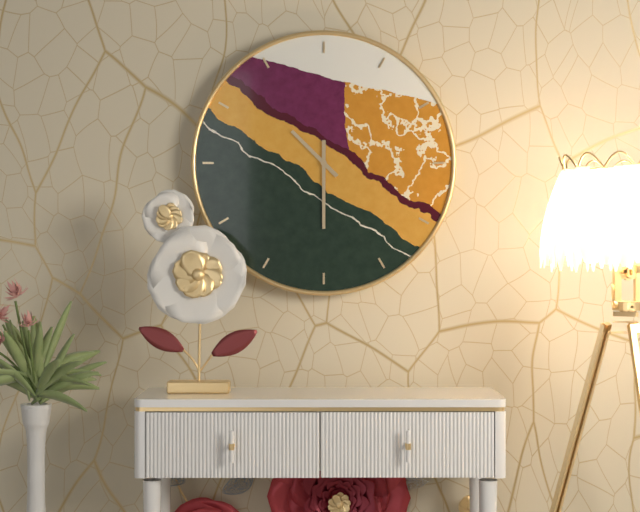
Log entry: 10h30
